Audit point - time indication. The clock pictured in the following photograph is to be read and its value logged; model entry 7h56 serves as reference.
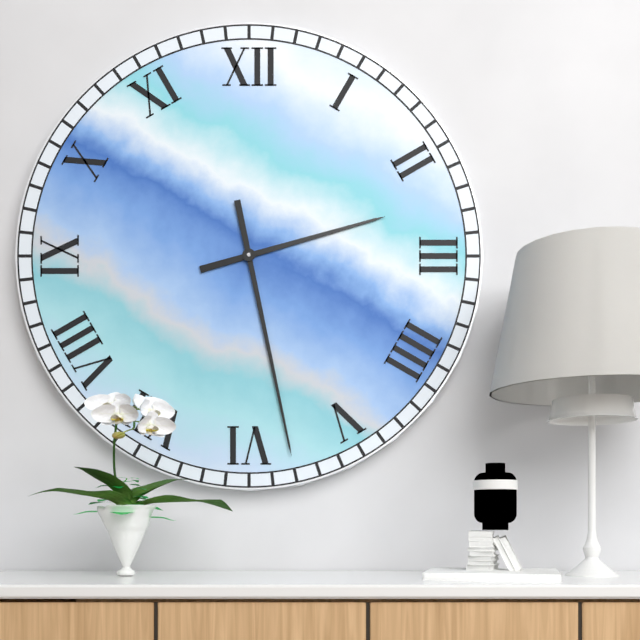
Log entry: 2h28
